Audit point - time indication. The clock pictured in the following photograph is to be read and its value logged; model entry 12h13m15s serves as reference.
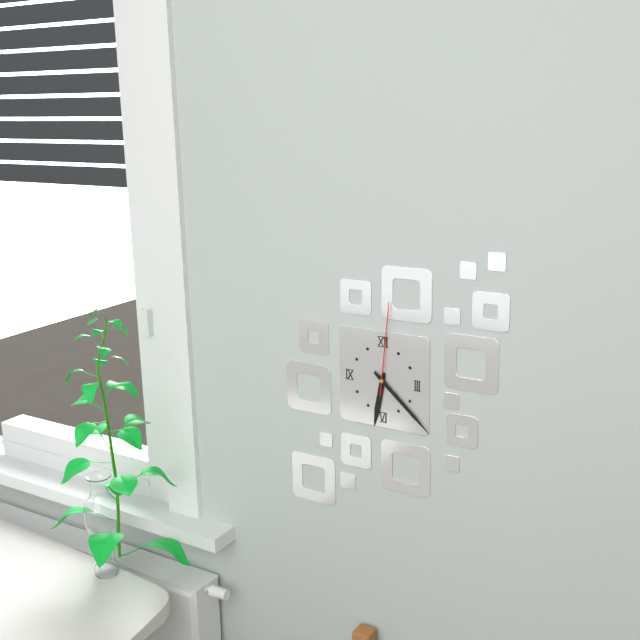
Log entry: 6h22m01s
